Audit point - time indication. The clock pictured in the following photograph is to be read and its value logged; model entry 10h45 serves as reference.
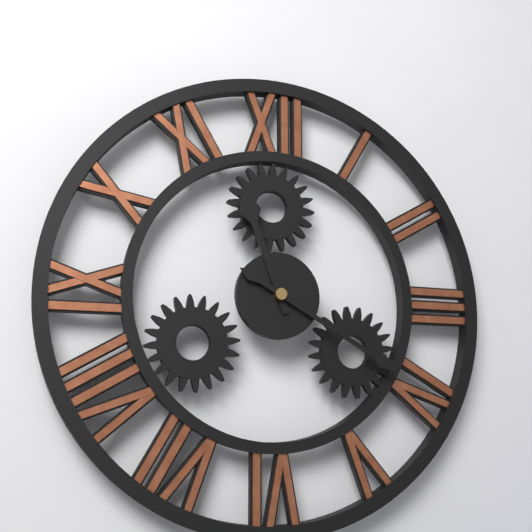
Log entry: 11h20
